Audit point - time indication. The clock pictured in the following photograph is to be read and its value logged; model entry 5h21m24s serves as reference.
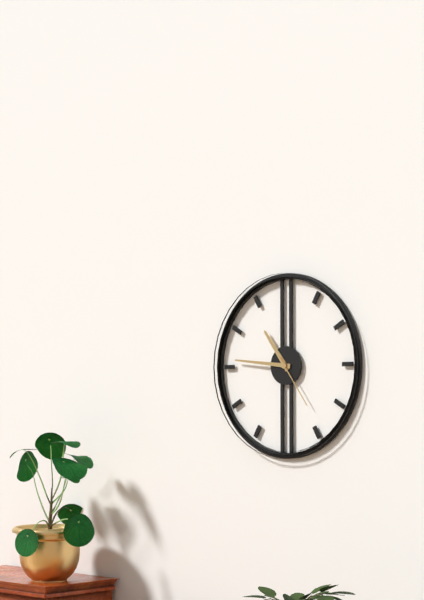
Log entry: 10h46m24s
